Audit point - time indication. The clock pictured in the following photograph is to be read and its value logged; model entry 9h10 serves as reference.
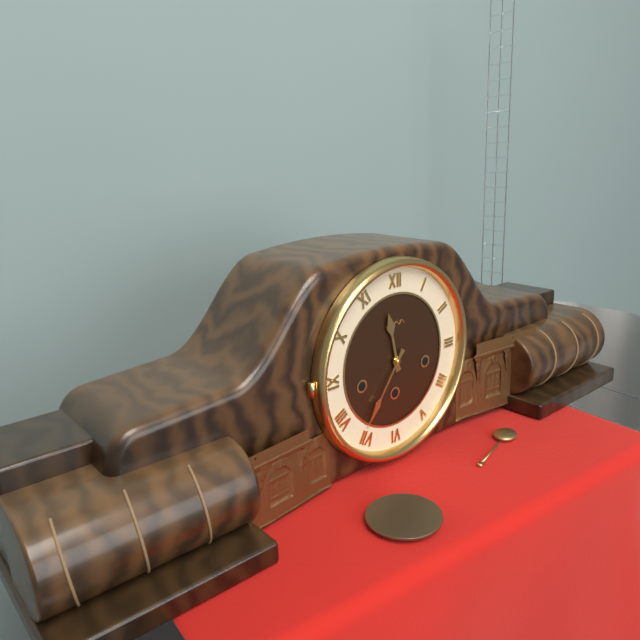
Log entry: 11h36
